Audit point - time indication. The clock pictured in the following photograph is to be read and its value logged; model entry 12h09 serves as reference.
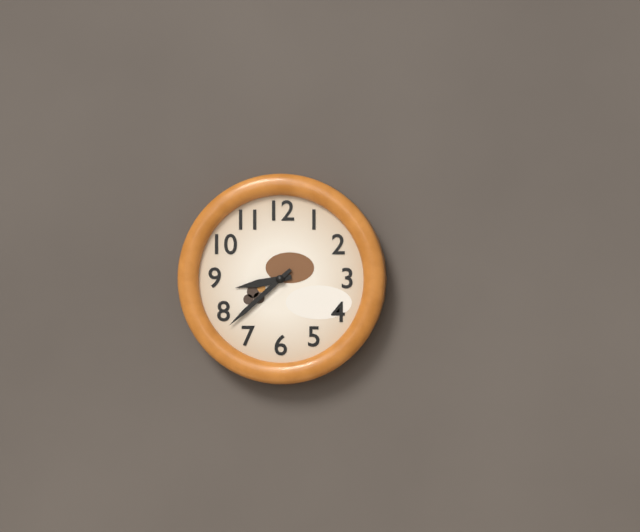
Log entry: 8h38
